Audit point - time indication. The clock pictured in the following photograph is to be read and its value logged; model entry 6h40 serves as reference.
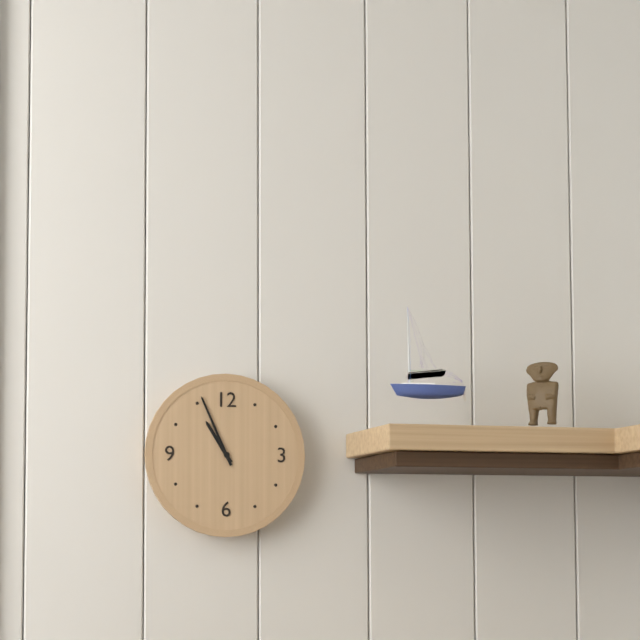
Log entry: 10h56
